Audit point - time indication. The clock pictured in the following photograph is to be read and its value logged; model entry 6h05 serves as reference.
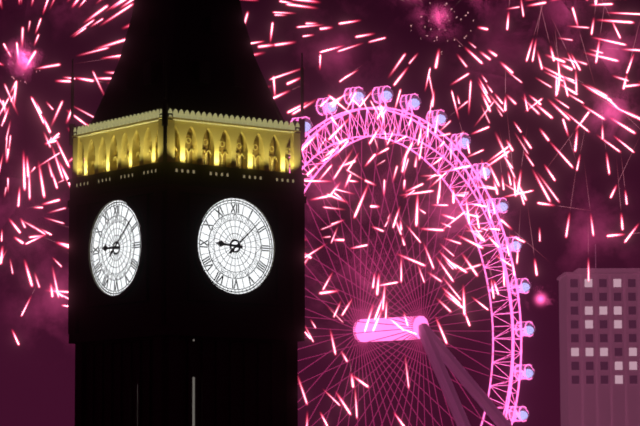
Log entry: 9h08
